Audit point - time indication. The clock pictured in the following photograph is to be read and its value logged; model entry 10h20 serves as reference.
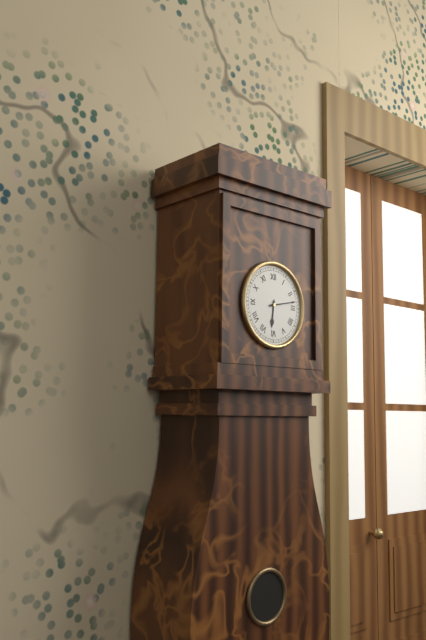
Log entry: 6h13
